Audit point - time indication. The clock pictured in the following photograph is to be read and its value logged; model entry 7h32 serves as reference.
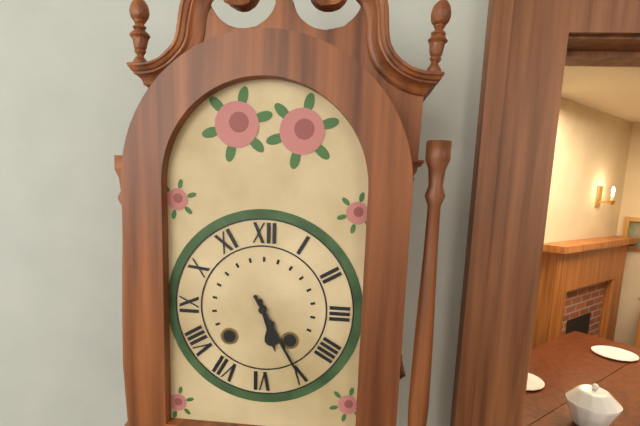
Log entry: 5h25
